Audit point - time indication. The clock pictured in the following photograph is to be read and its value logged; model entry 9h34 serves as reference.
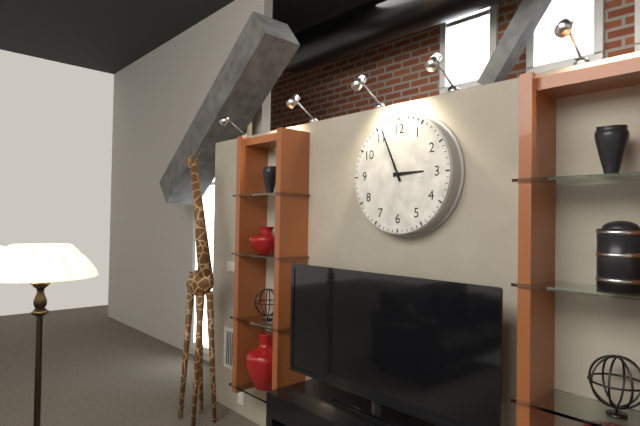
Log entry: 2h56
